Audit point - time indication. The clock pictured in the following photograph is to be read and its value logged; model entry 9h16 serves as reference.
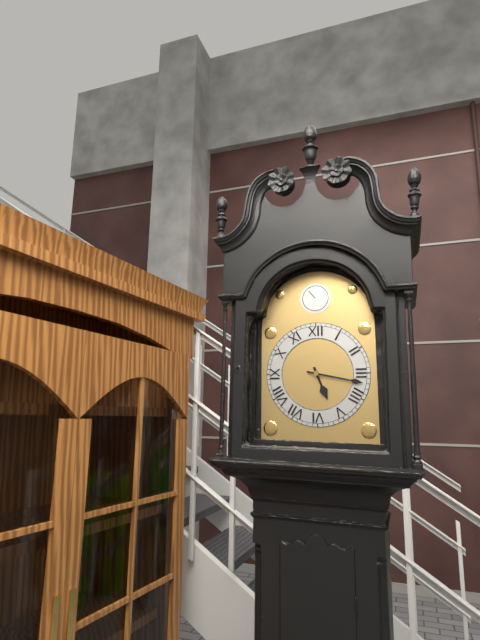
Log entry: 5h17
